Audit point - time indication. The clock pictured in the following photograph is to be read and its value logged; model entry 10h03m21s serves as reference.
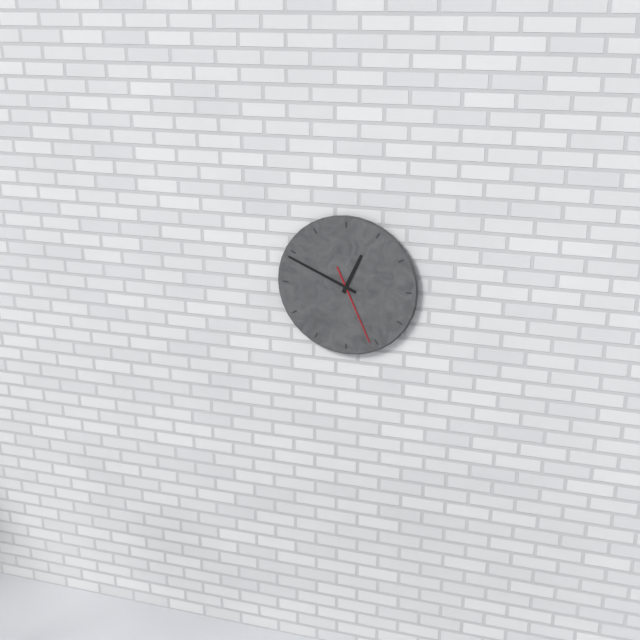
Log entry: 12h49m26s
